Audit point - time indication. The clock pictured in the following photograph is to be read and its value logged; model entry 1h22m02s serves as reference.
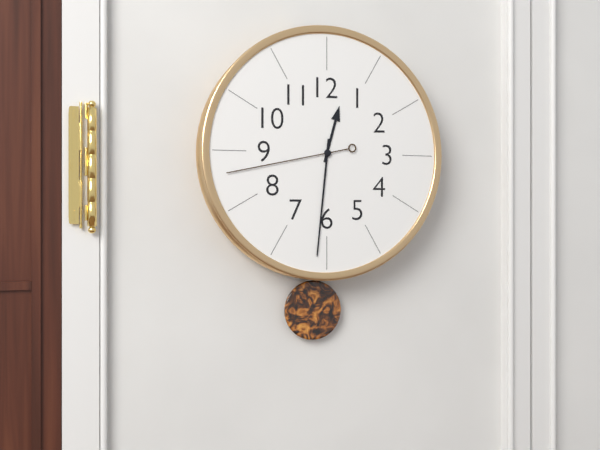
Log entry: 12h31m43s
